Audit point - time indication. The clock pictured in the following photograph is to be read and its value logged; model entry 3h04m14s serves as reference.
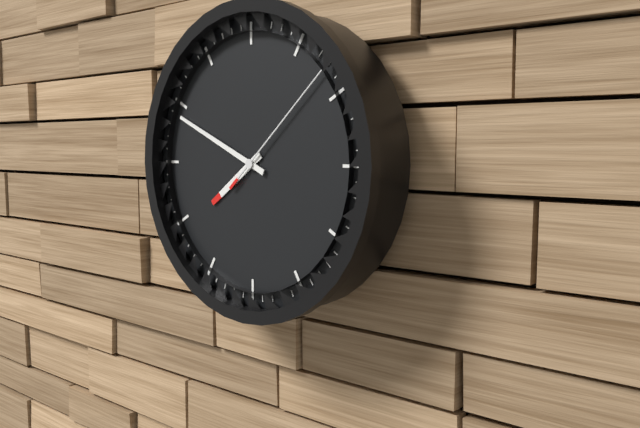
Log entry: 7h49m08s
